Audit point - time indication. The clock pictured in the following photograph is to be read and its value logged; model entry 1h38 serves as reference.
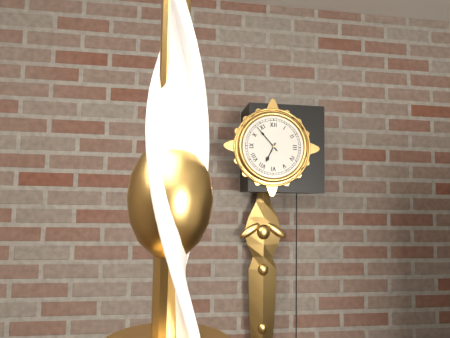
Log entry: 6h53
